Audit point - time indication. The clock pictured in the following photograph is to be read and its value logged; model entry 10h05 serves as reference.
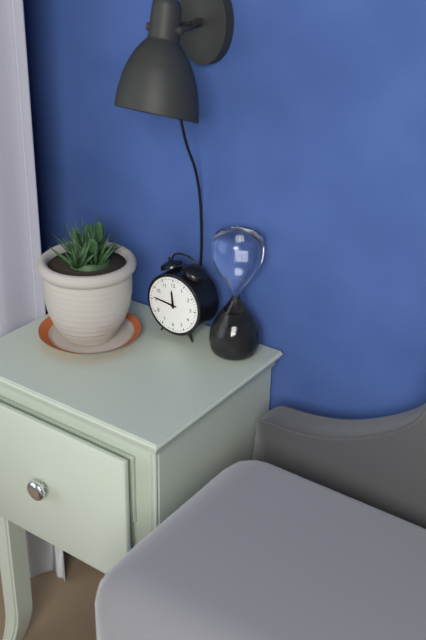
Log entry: 11h46
